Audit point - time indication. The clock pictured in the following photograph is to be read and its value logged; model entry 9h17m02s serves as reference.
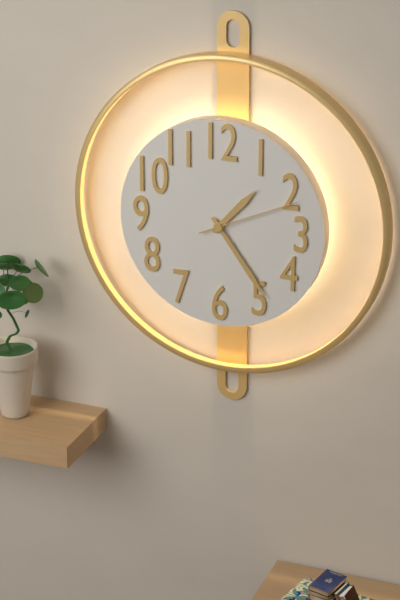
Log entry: 1h24m11s
